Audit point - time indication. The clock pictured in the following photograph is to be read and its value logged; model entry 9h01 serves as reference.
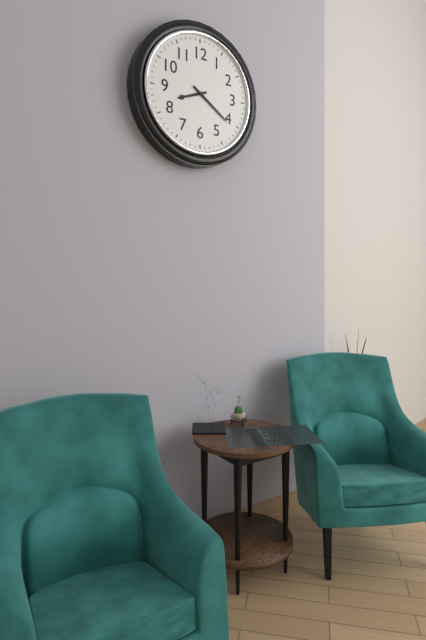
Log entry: 8h21
